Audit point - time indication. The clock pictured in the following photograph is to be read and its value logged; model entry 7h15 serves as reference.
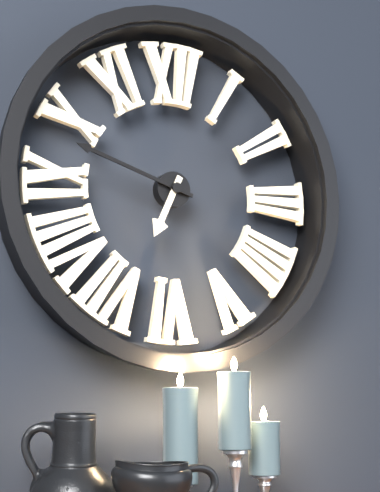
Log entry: 6h48
